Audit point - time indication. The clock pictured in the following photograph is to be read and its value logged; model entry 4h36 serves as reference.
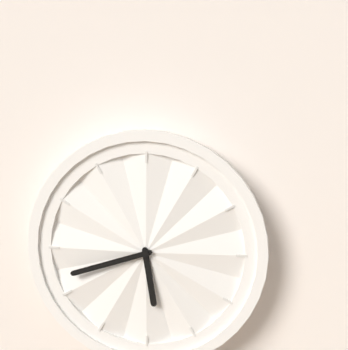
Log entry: 5h42
